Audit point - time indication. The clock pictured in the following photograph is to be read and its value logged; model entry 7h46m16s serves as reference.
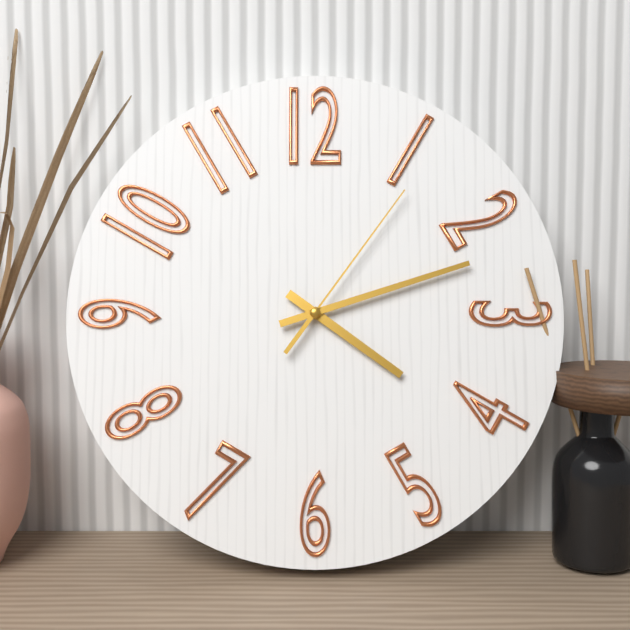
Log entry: 4h12m06s
